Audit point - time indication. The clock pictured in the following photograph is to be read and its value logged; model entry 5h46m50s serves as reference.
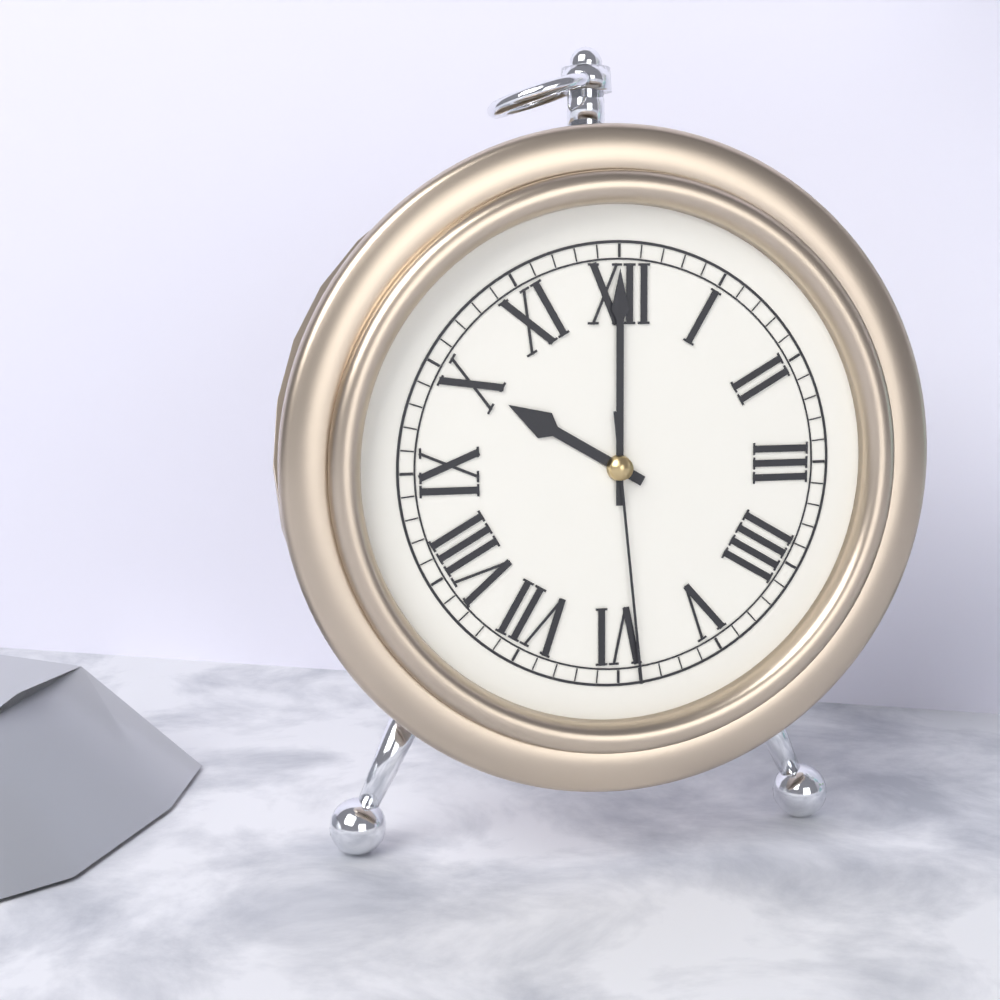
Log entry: 10h00m29s
